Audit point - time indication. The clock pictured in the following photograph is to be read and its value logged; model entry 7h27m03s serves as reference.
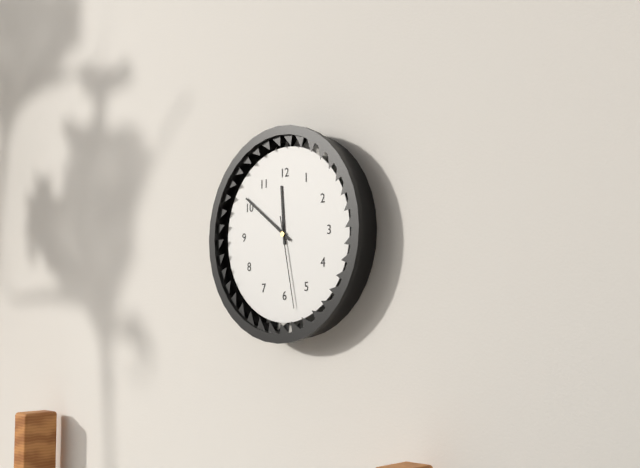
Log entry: 11h51m28s
